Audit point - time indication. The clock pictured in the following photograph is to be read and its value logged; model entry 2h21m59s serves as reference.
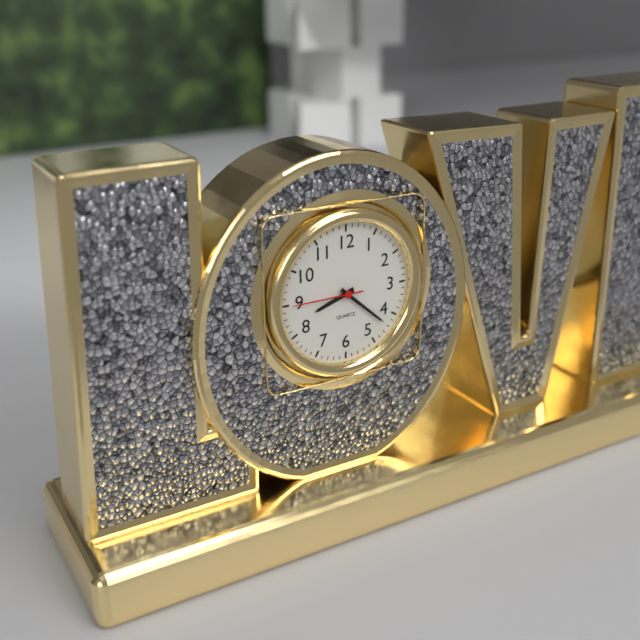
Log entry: 8h22m45s
